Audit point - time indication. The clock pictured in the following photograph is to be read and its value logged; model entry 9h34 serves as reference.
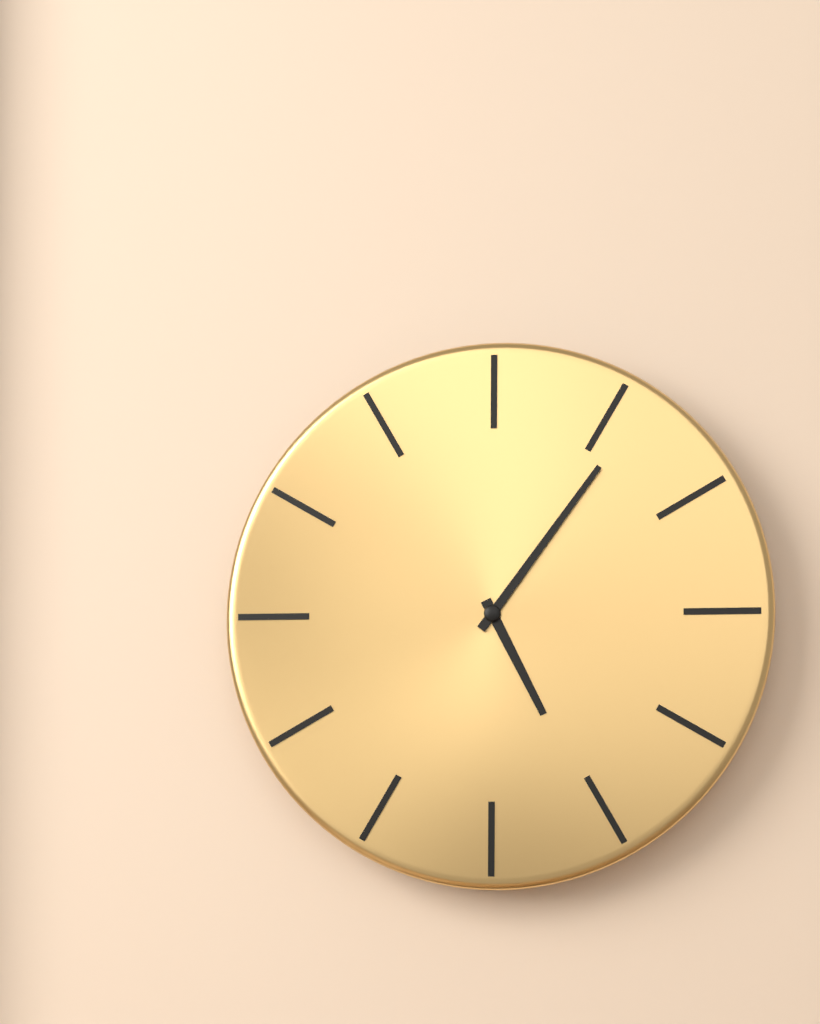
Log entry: 5h06
